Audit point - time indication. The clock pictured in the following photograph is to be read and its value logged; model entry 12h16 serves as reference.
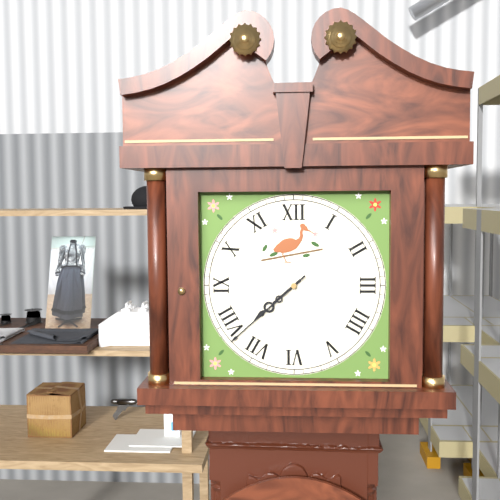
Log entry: 7h38
